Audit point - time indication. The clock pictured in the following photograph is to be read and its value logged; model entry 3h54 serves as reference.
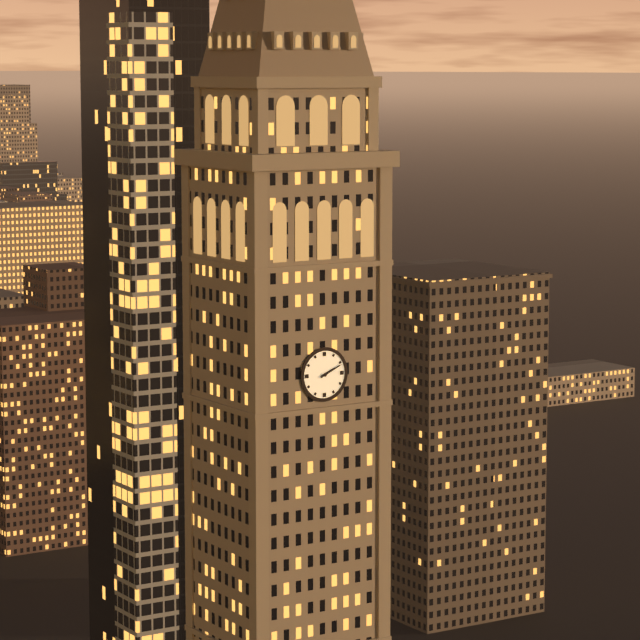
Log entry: 2h11
